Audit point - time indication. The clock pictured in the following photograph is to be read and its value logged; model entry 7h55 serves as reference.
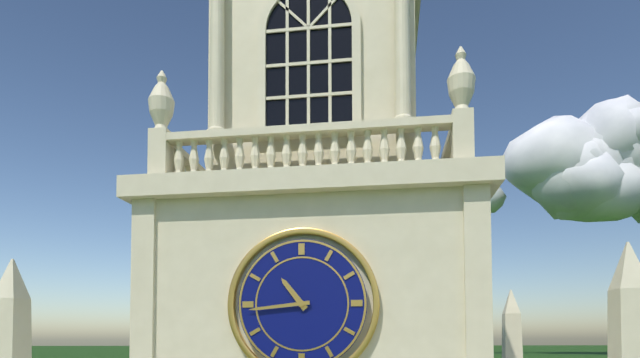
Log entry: 10h44
